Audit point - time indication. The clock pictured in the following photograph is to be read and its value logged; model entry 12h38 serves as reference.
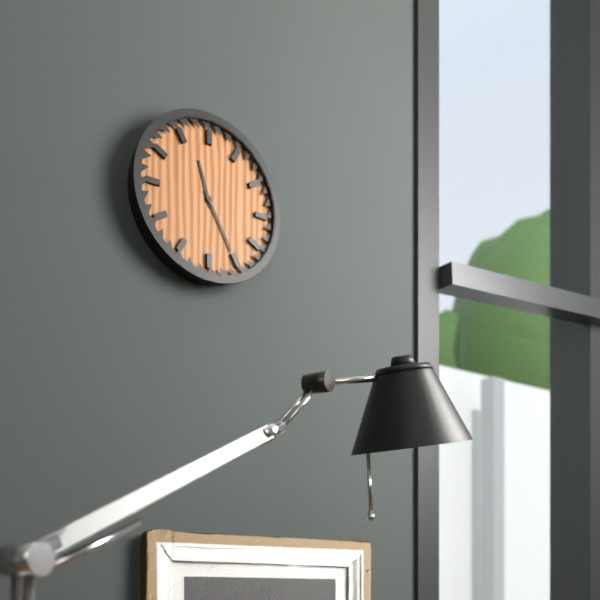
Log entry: 11h25
